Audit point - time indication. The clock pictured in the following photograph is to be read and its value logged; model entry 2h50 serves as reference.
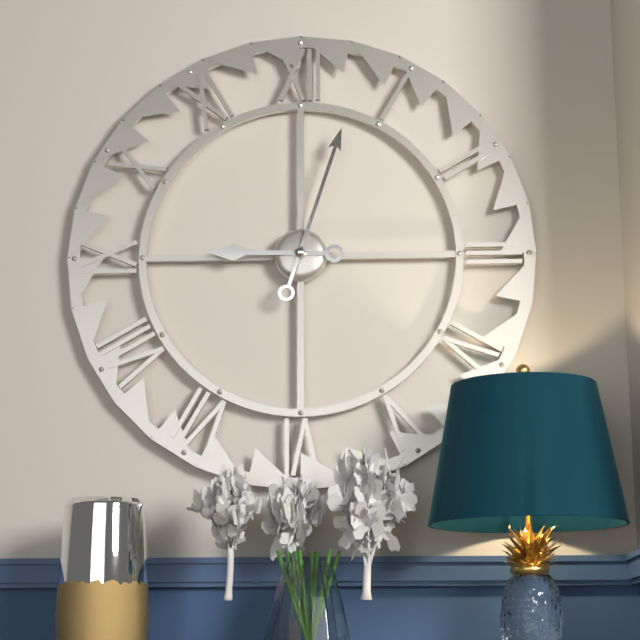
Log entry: 9h03
